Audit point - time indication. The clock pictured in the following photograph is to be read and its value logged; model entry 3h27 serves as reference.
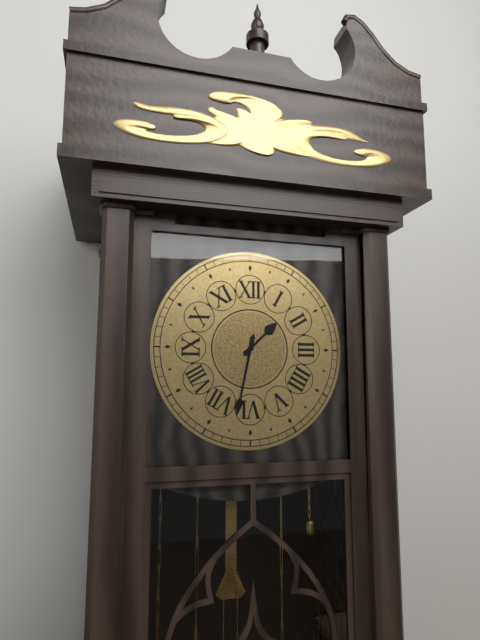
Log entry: 1h32
